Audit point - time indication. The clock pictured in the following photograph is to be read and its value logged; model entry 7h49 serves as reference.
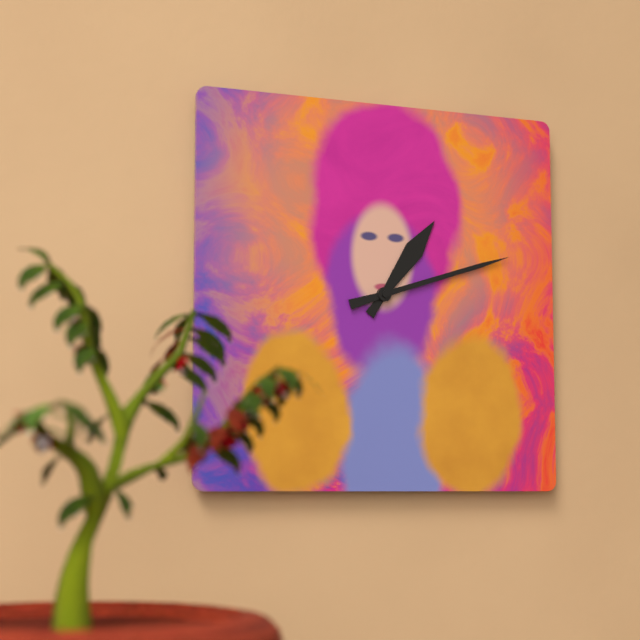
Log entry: 1h12
